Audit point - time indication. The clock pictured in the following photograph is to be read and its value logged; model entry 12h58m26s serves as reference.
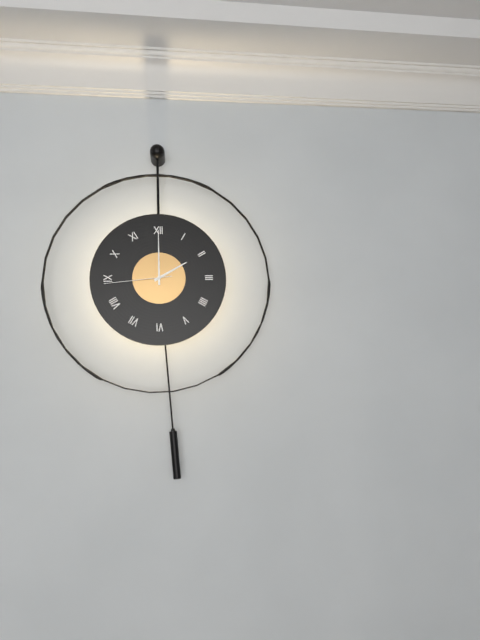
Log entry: 2h00m44s
